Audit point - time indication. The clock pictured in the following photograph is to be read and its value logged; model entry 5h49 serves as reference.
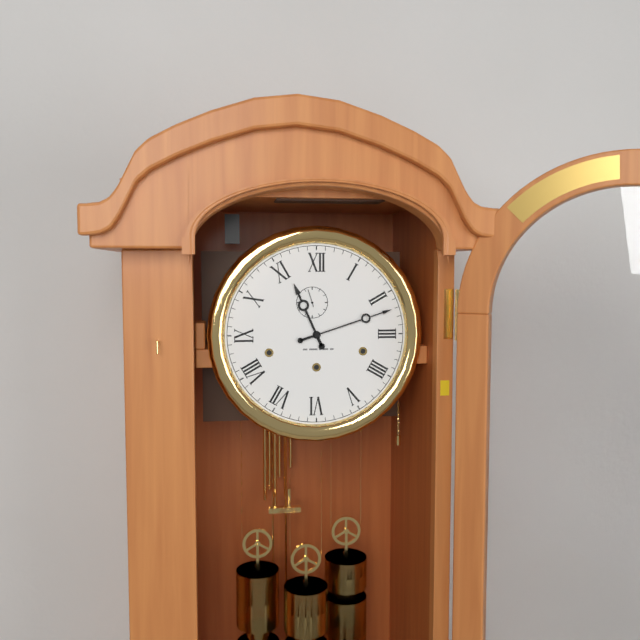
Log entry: 11h12
